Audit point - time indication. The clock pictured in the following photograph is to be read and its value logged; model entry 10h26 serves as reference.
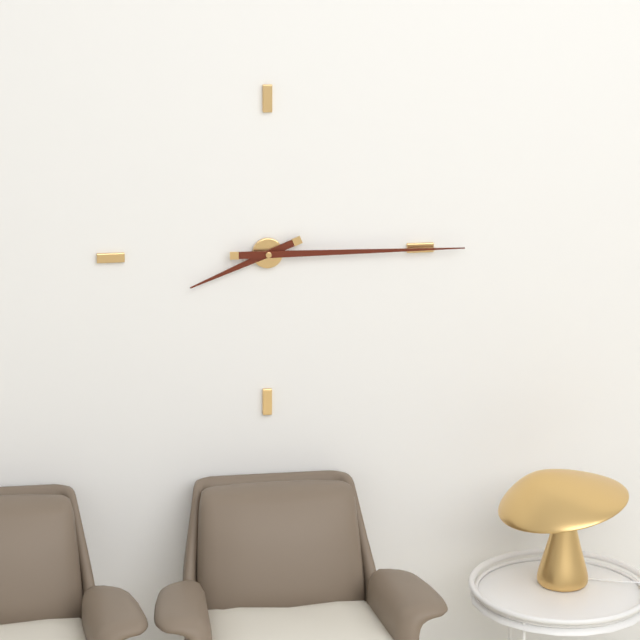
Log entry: 8h15
